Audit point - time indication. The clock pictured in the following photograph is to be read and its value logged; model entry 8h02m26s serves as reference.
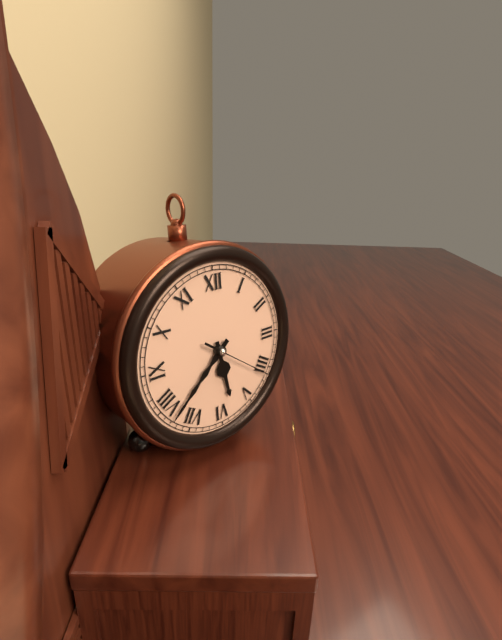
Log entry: 5h38m21s
